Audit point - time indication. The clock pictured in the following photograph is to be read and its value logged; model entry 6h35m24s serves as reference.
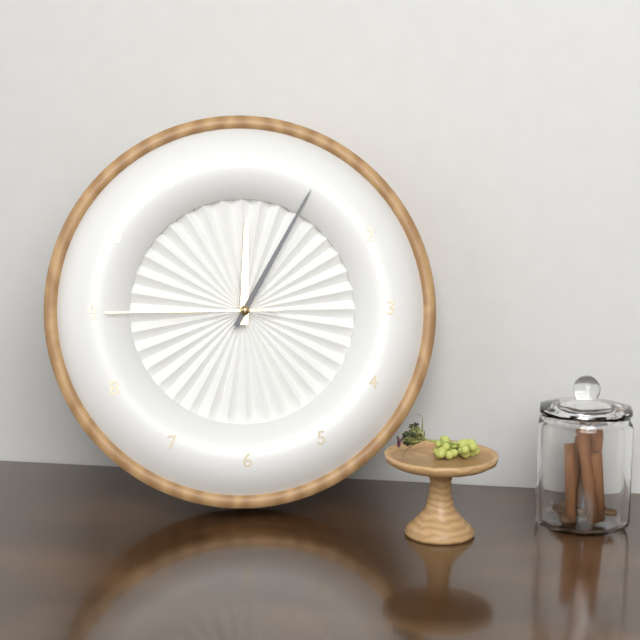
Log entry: 12h05m45s
